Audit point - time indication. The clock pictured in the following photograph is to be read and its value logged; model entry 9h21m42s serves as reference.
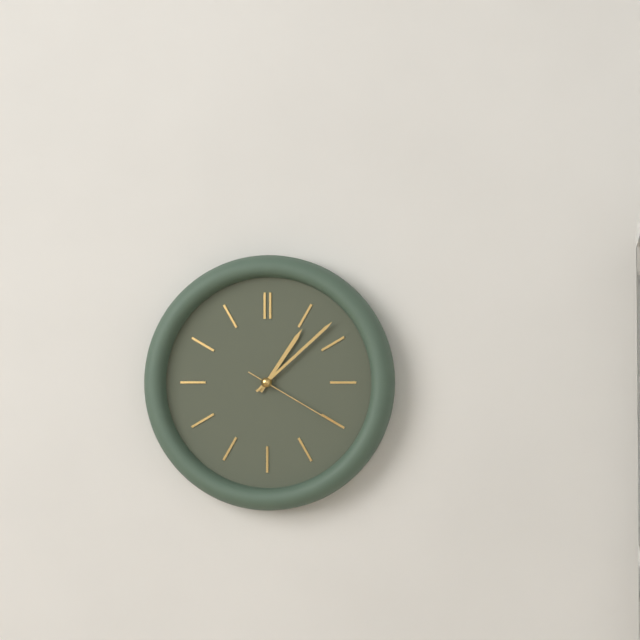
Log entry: 1h08m20s
